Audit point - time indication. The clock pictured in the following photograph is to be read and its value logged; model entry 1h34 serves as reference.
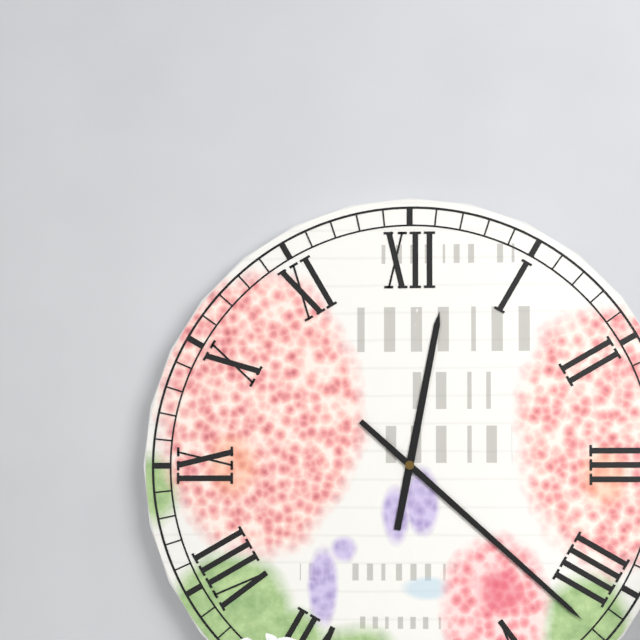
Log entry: 12h22
